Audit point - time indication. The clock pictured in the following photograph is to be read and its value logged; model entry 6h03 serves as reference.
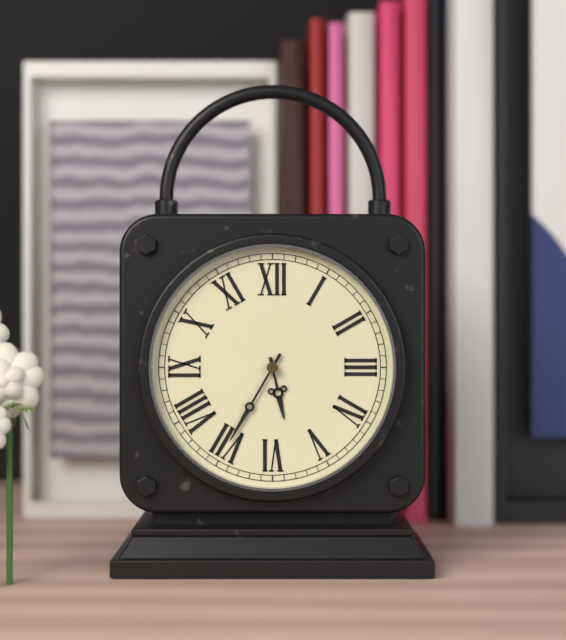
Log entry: 5h35
